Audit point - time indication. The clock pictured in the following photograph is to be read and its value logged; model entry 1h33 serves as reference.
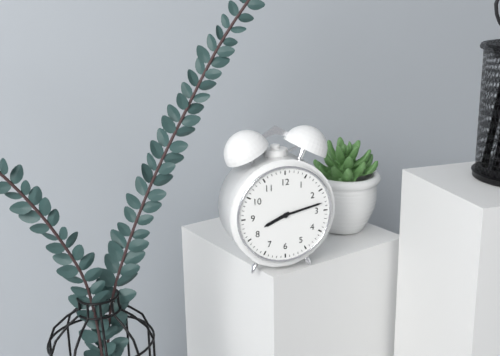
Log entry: 8h13
